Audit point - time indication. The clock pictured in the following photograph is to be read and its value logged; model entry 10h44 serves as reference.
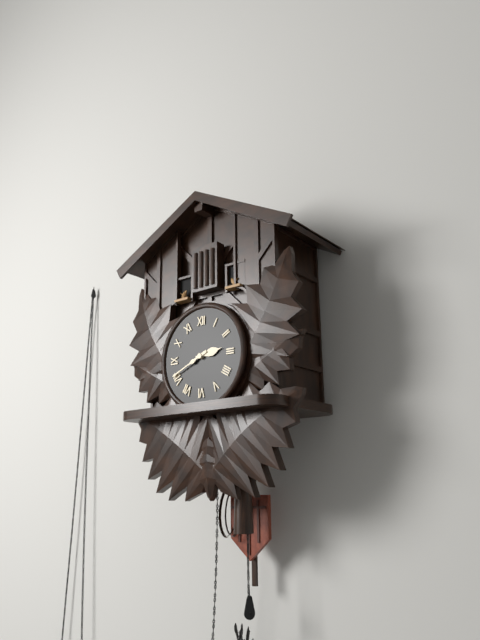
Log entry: 2h41
